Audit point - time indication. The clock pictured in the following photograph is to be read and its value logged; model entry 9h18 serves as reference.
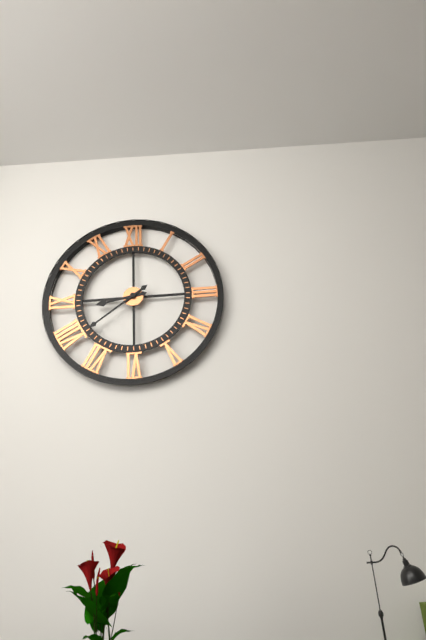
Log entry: 8h39
